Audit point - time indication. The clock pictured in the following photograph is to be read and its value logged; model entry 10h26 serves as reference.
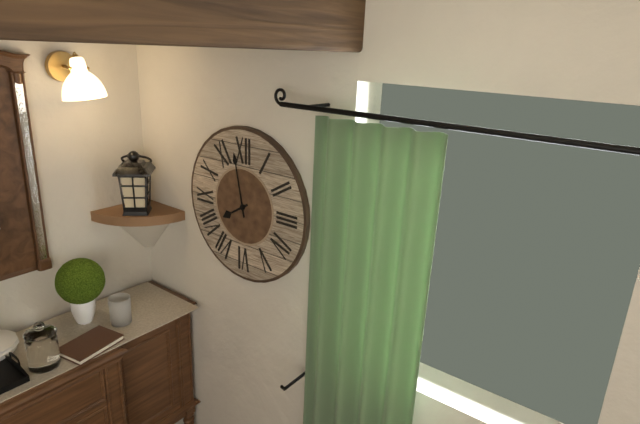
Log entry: 7h58
